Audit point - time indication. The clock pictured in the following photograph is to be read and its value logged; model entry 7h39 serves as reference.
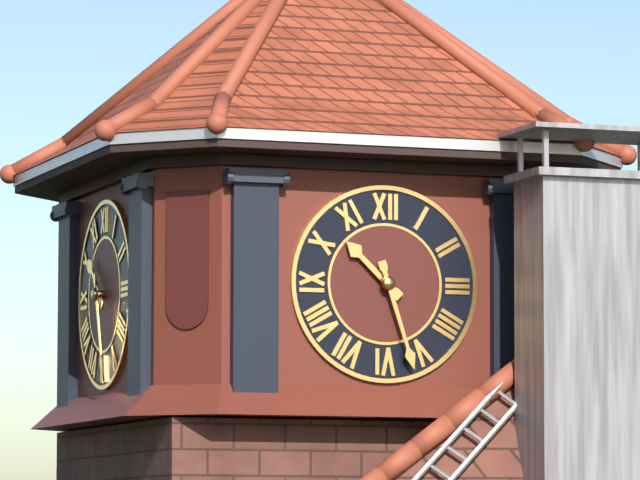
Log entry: 10h27
